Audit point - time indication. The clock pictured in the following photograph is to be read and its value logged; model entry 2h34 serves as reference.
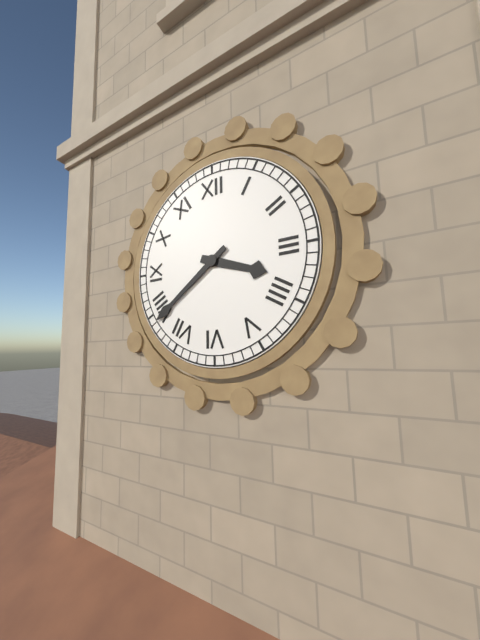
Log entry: 3h39
